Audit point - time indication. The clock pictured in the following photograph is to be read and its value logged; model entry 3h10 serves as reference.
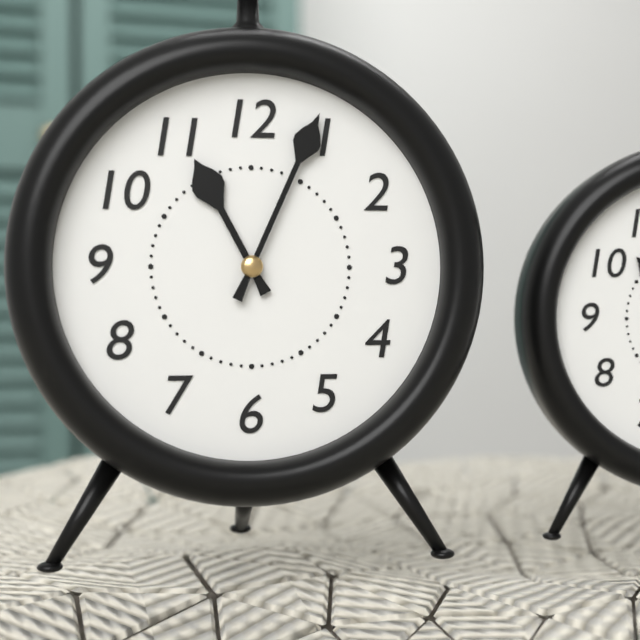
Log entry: 11h04
